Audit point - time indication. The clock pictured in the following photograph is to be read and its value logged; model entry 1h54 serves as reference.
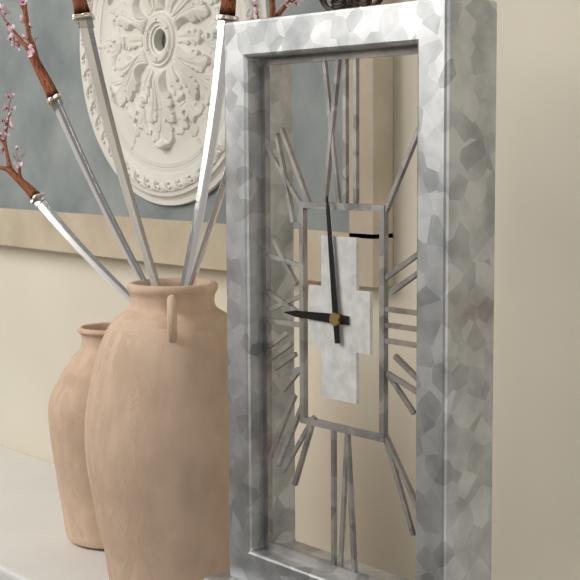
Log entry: 8h59
